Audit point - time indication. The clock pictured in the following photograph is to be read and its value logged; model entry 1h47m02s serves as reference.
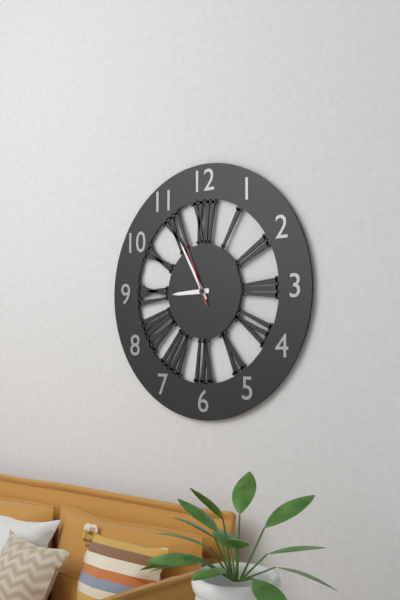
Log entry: 8h55m56s
